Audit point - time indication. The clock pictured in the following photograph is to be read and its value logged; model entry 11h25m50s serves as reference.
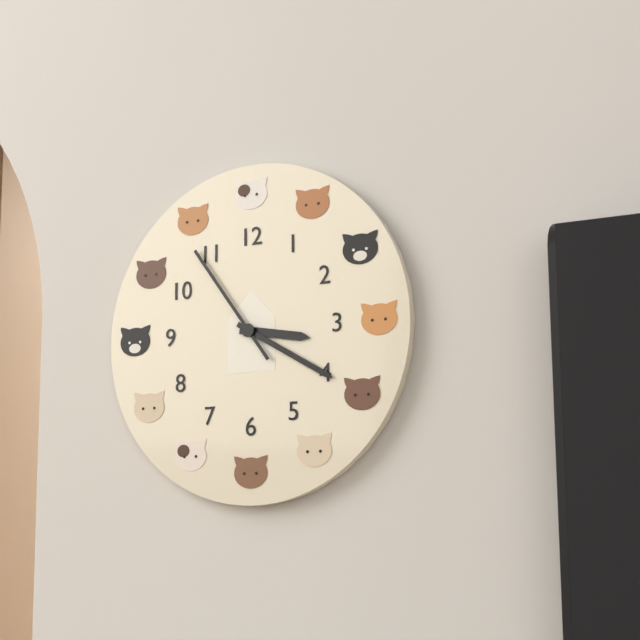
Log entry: 3h20m54s
